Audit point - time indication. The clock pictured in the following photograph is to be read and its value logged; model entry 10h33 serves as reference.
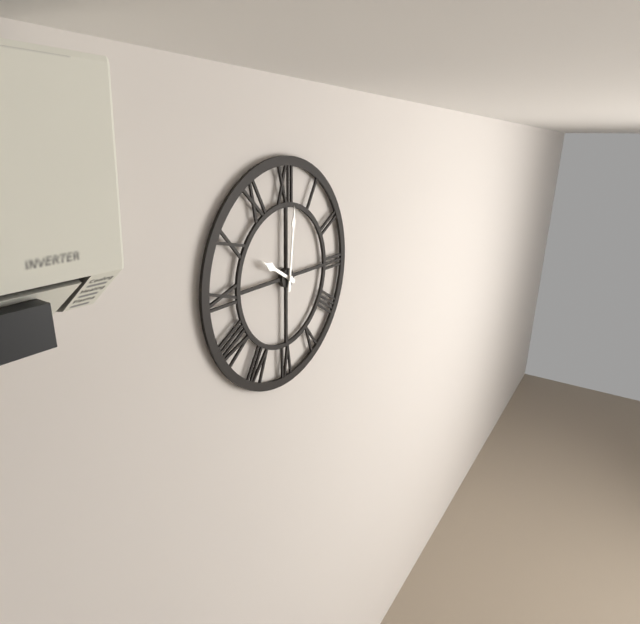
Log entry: 10h01
